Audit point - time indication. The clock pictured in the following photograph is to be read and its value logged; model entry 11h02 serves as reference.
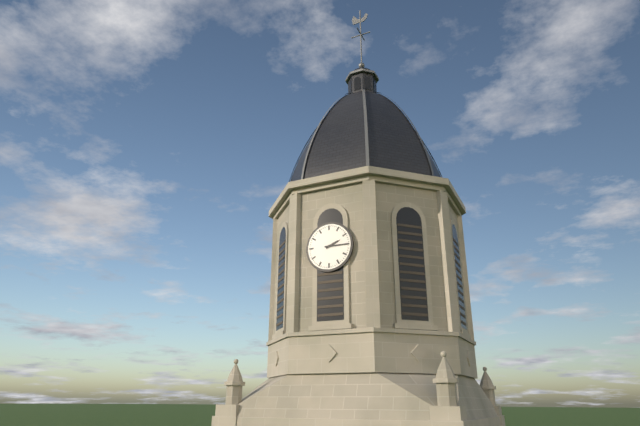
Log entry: 2h15
